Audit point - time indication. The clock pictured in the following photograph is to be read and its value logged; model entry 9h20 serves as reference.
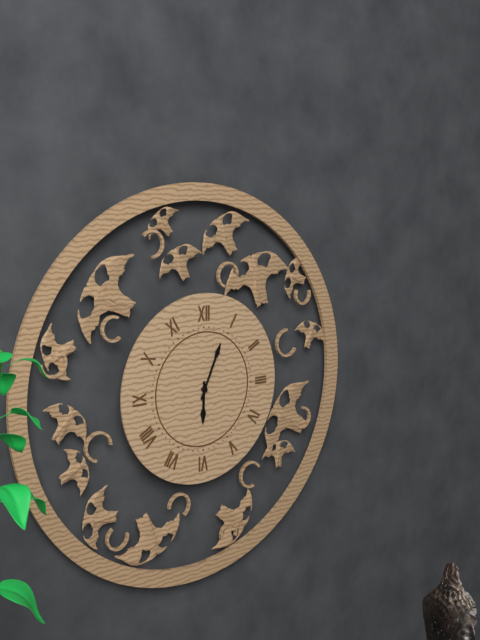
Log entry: 6h04
